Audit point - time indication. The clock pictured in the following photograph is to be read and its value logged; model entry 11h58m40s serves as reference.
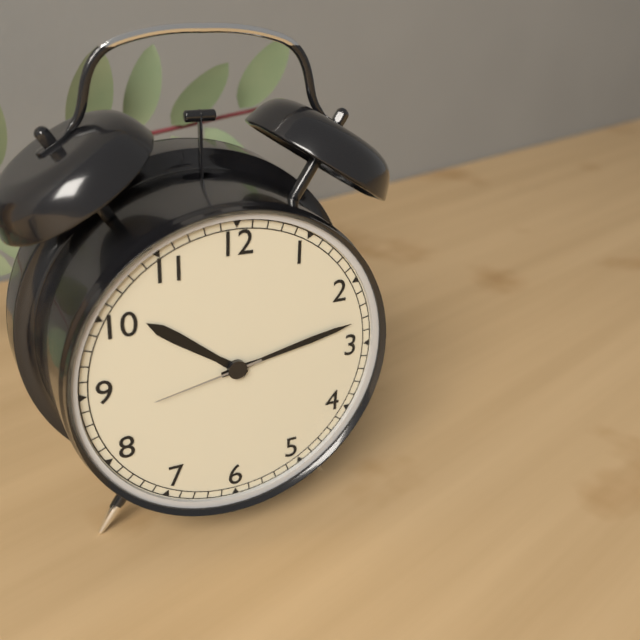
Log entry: 10h13m43s
